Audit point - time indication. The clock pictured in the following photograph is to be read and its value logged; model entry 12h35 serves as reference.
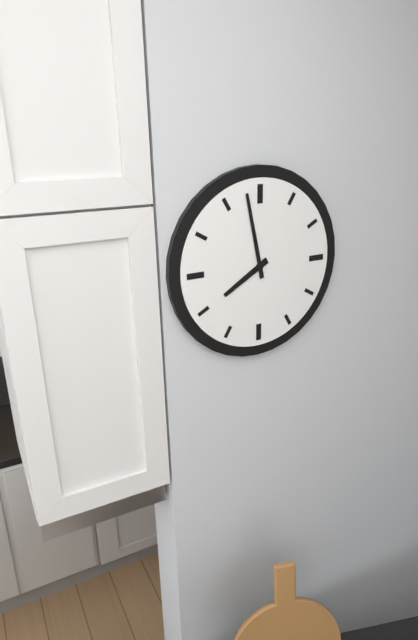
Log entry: 7h58
